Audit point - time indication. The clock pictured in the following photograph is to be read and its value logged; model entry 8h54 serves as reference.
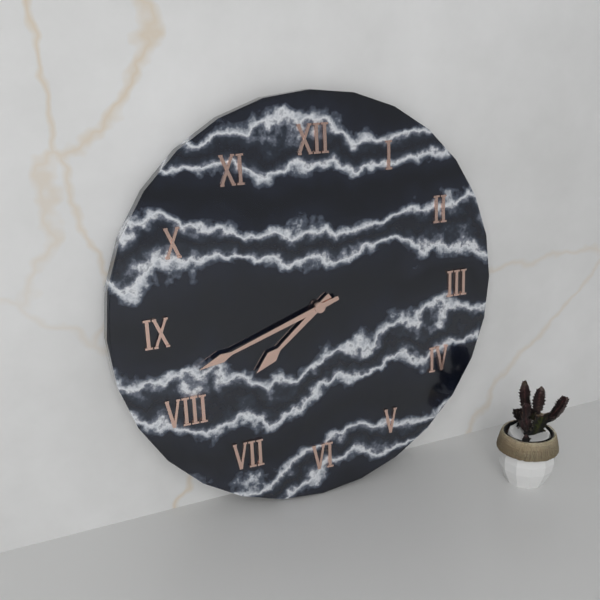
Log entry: 7h42
